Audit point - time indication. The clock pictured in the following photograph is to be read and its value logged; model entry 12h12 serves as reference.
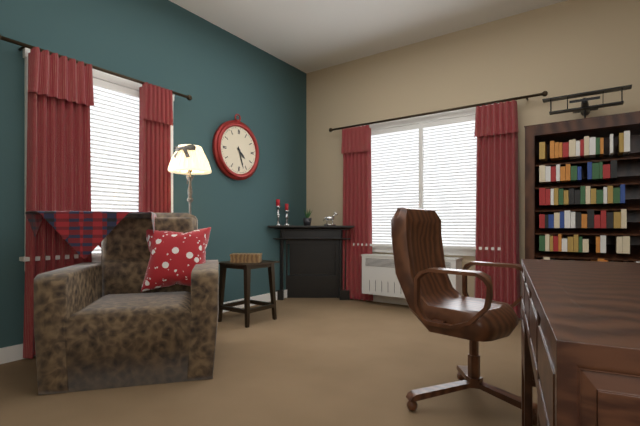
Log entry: 4h27
